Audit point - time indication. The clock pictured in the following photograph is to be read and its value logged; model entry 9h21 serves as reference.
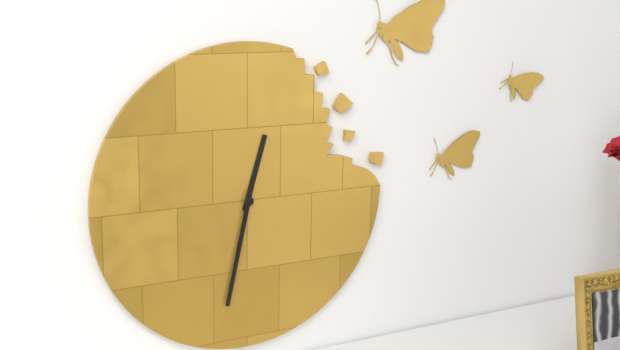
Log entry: 12h32
